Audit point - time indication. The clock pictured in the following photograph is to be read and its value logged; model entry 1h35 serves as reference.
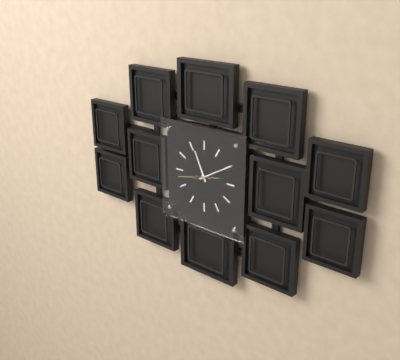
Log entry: 11h10
